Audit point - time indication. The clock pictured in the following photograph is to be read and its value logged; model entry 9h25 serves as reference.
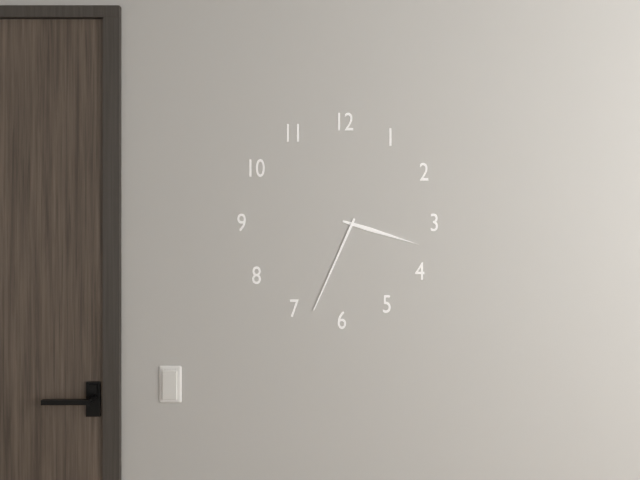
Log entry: 3h34
